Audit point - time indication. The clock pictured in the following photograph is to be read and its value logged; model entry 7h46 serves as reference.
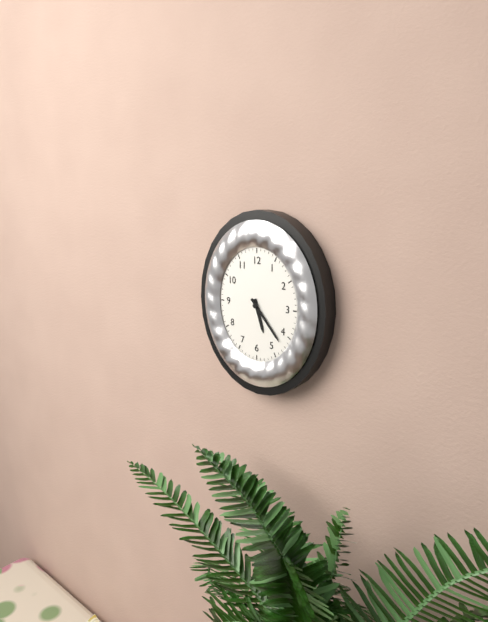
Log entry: 5h23
